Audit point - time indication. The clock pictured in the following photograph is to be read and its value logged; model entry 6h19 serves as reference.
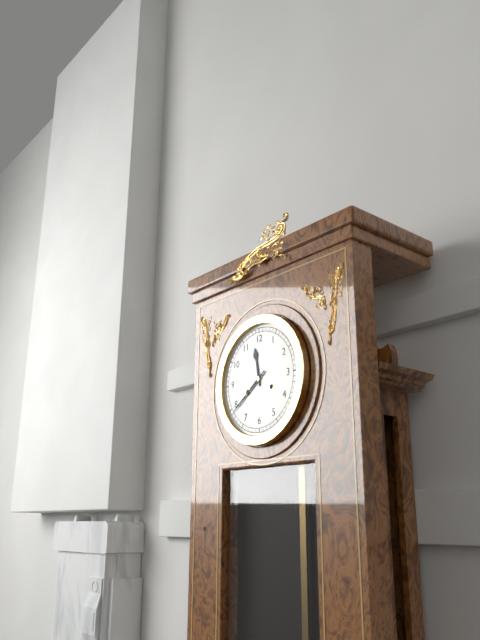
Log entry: 11h39
